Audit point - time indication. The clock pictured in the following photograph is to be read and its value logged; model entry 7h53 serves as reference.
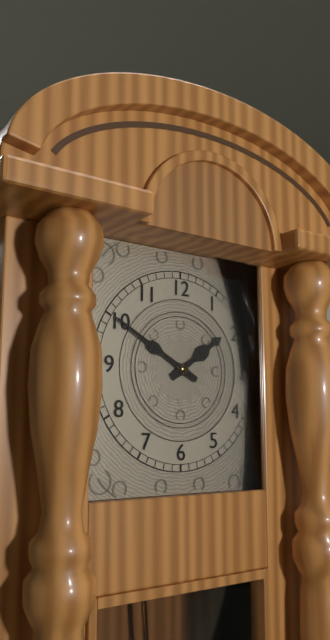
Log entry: 1h50
